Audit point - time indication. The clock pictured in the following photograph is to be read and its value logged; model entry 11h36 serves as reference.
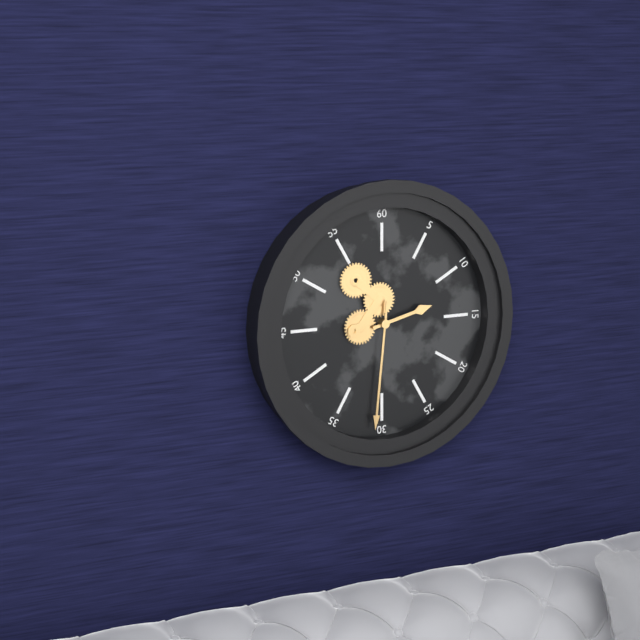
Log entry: 2h31
